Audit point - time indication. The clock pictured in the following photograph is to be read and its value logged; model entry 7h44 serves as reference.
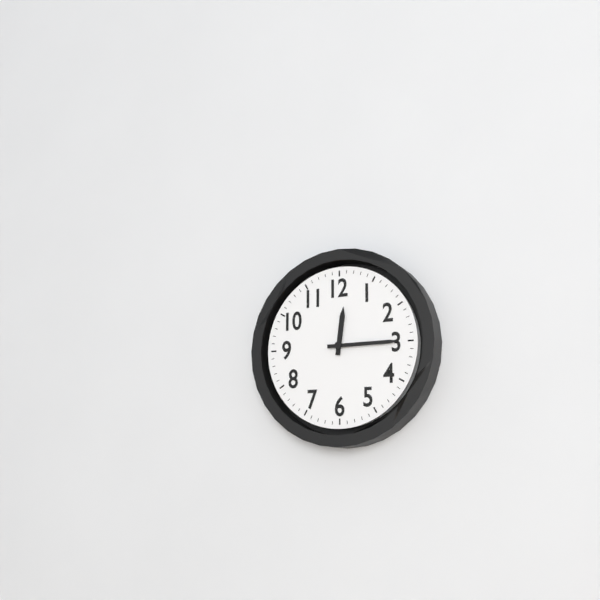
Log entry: 12h15
